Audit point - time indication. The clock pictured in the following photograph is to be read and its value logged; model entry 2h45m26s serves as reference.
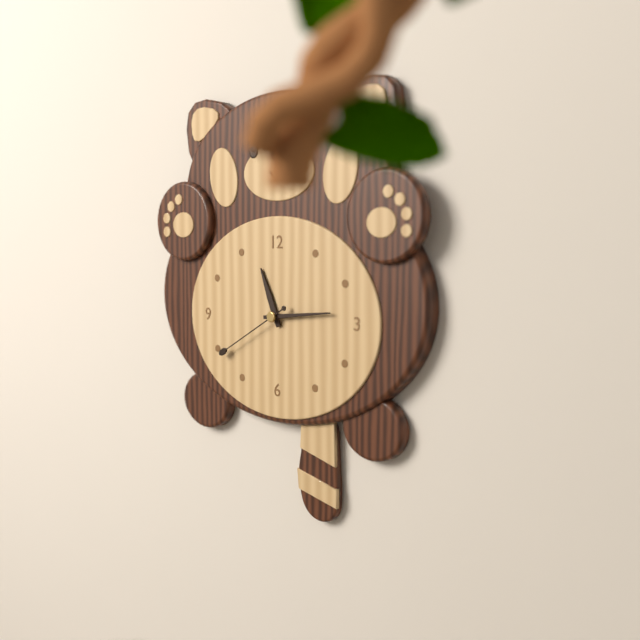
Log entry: 11h14m40s
